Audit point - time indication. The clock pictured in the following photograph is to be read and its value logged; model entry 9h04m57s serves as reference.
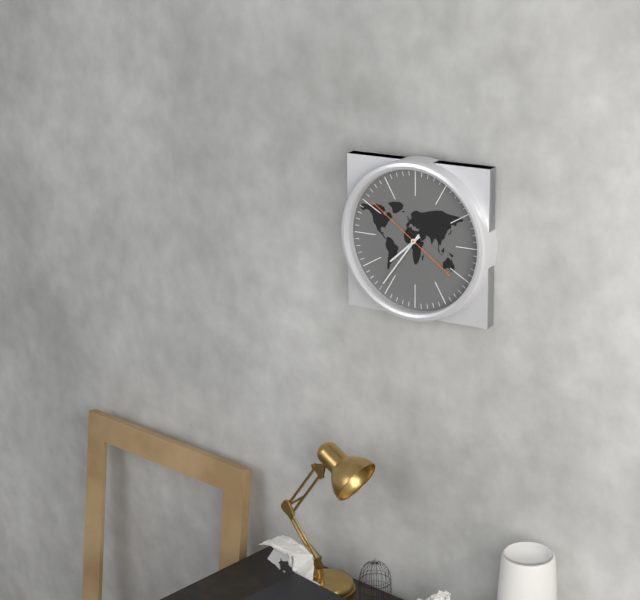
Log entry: 7h36m51s
